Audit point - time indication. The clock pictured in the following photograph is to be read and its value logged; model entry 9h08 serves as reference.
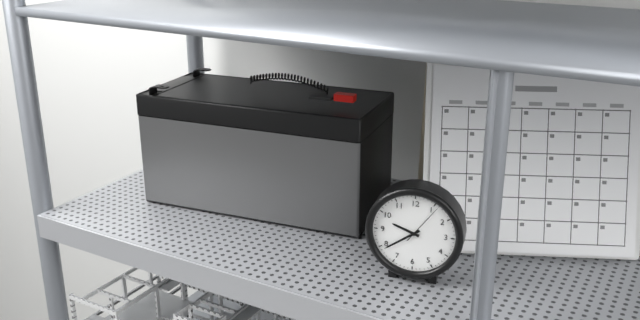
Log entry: 9h39
